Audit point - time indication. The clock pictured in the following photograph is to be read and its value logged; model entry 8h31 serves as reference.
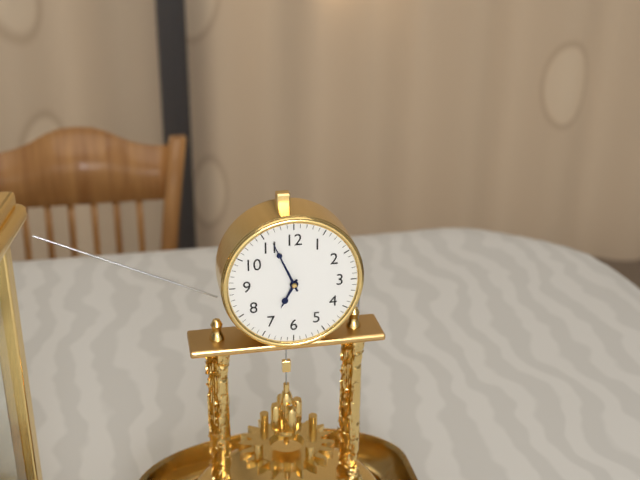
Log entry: 6h56
